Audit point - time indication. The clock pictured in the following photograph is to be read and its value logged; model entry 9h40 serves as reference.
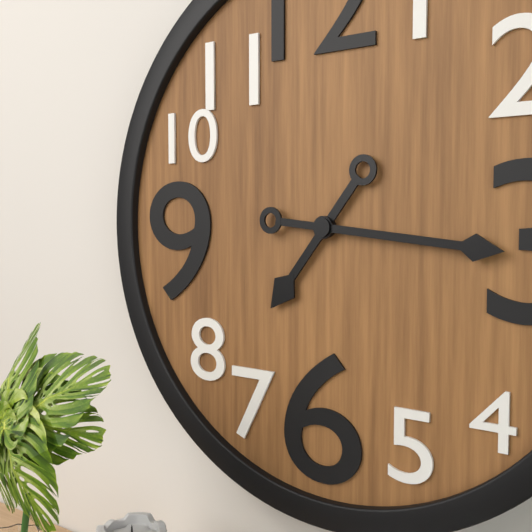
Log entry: 7h16
